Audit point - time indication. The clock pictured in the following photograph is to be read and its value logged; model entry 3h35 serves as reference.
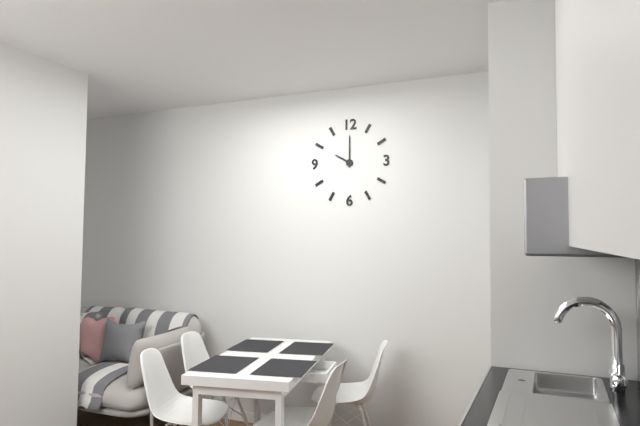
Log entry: 10h00
